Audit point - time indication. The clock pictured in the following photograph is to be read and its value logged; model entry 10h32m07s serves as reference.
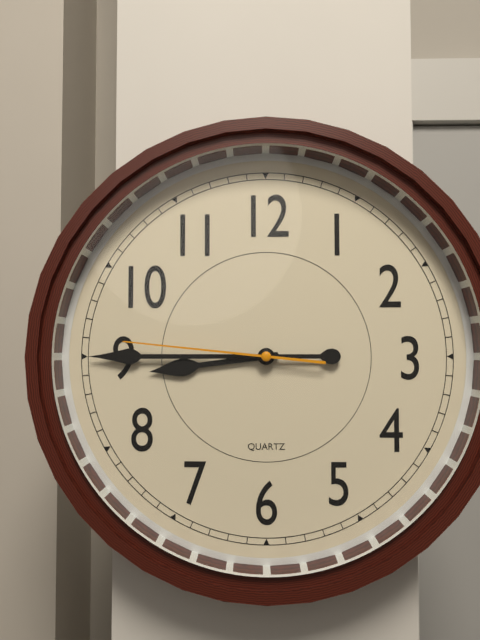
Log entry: 8h45m46s
